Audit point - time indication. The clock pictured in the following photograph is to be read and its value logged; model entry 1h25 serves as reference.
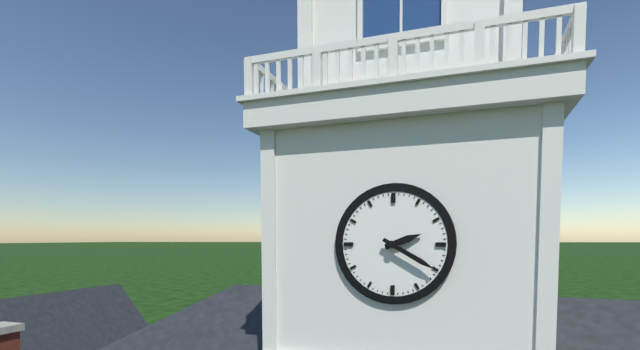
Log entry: 2h20
